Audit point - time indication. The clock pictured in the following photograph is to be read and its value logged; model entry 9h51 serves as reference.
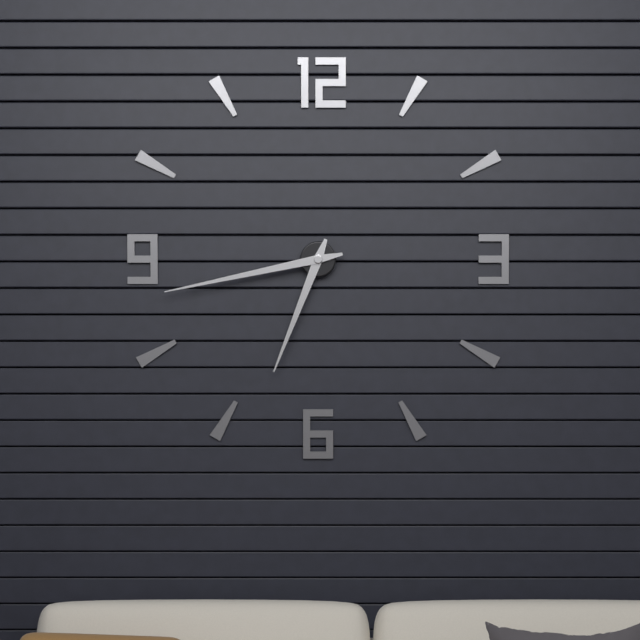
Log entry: 6h43
